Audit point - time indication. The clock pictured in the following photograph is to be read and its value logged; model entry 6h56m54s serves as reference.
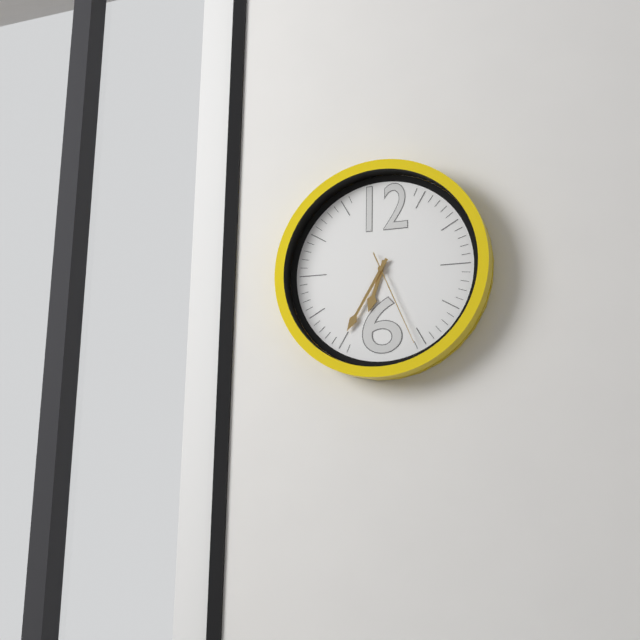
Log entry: 6h35m26s
